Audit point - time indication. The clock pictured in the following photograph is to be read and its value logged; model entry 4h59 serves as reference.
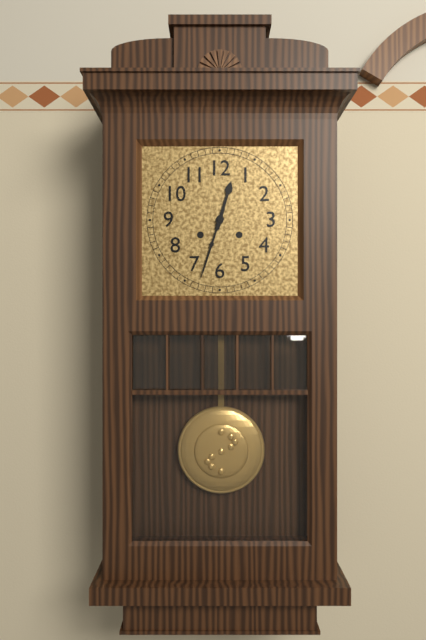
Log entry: 12h33
